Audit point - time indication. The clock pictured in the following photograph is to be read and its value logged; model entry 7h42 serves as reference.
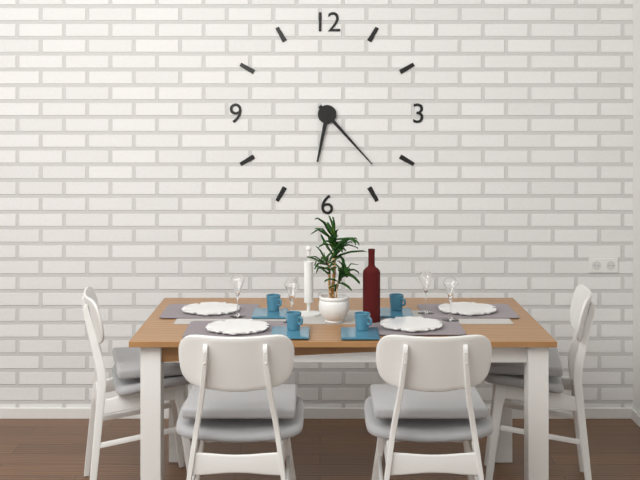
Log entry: 6h23
